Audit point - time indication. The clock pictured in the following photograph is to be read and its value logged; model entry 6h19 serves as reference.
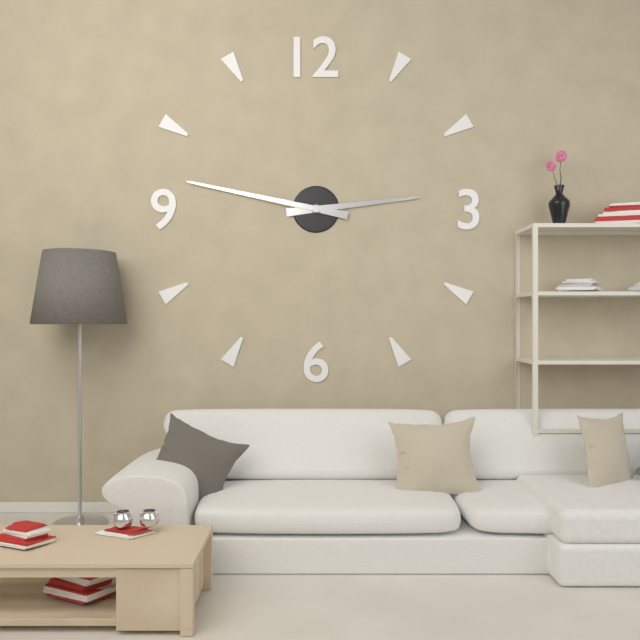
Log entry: 2h47
